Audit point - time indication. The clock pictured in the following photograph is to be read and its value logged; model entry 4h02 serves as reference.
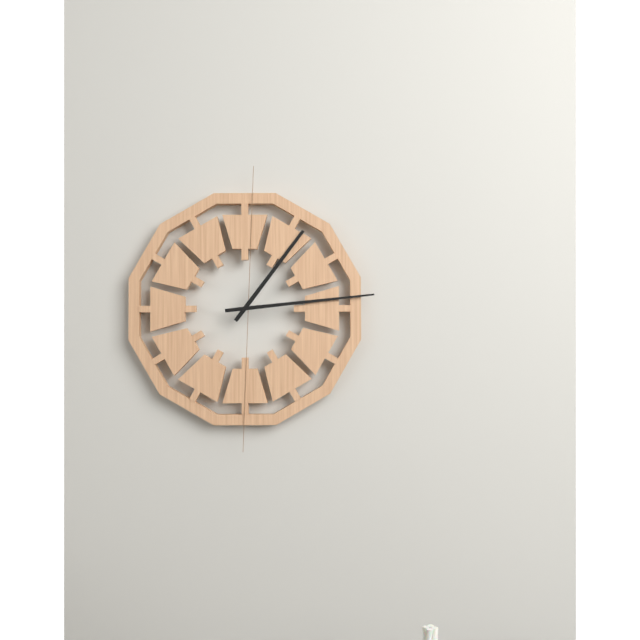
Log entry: 1h14
